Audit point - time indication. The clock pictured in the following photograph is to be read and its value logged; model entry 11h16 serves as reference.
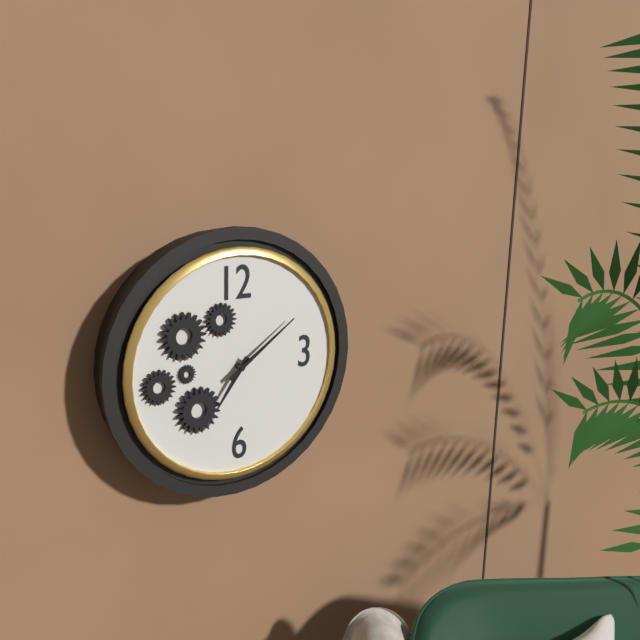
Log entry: 7h09
